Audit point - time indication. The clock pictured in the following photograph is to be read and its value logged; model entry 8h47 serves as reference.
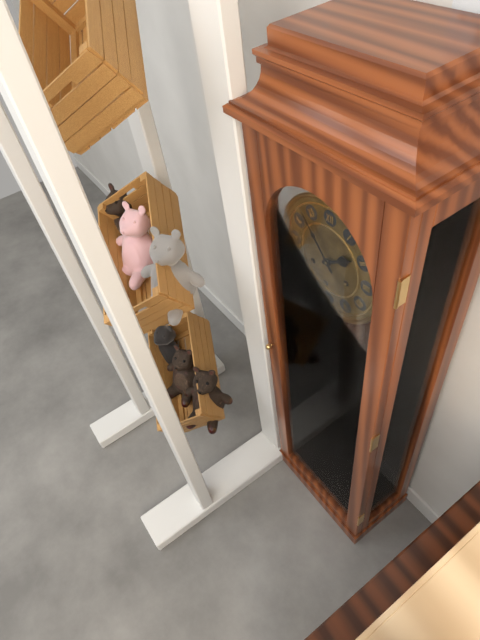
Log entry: 1h53
